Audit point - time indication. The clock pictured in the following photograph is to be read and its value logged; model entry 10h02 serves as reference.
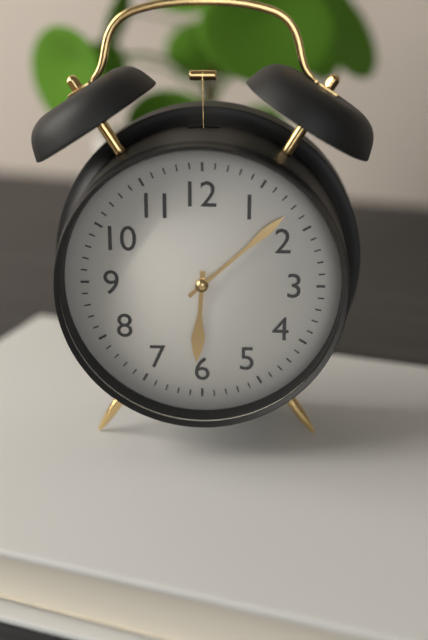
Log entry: 6h08
